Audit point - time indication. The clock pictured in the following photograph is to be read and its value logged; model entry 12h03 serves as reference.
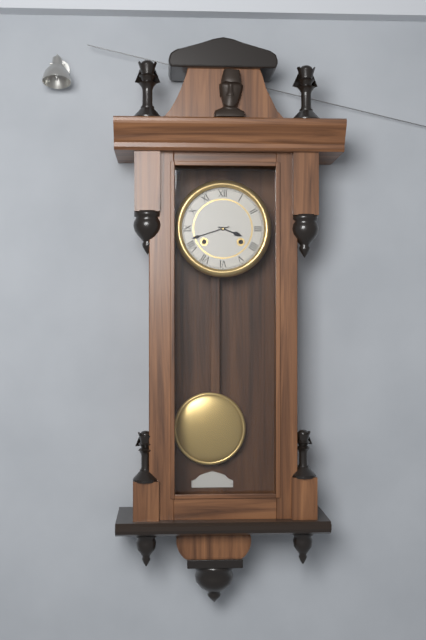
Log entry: 3h42
